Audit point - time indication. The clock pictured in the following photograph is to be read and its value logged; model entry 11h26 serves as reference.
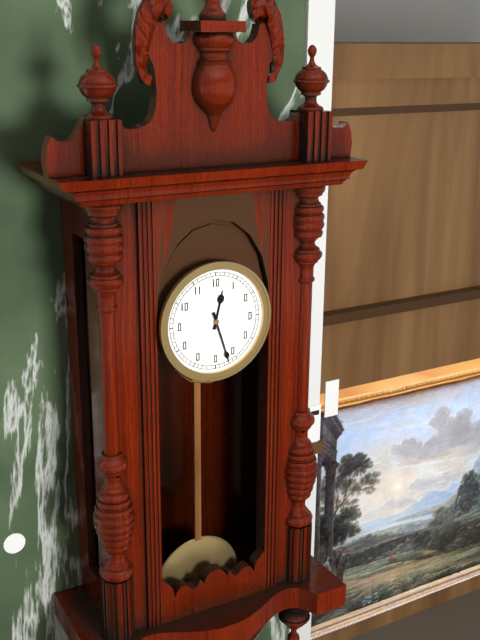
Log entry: 12h27
